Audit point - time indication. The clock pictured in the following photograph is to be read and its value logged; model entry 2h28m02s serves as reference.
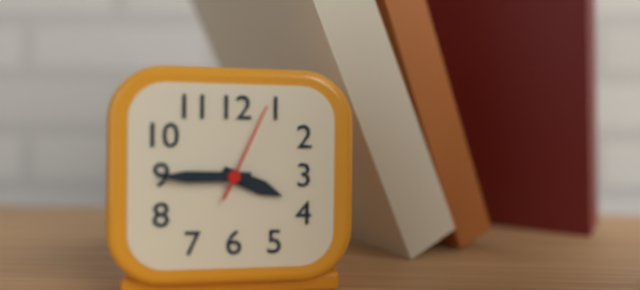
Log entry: 3h45m04s
